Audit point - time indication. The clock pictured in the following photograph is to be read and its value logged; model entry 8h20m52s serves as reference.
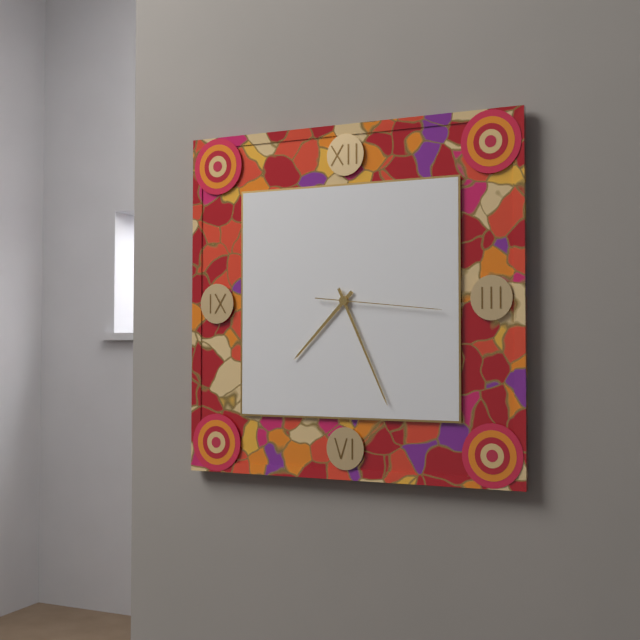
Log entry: 7h26m16s
